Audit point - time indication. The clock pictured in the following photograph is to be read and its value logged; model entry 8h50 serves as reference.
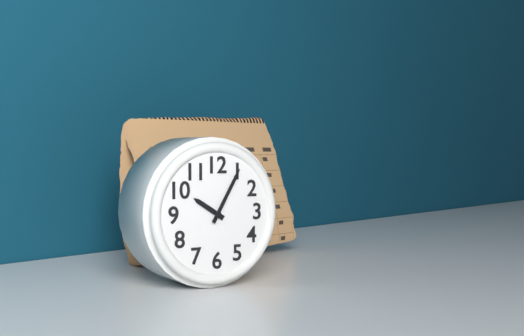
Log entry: 10h05
